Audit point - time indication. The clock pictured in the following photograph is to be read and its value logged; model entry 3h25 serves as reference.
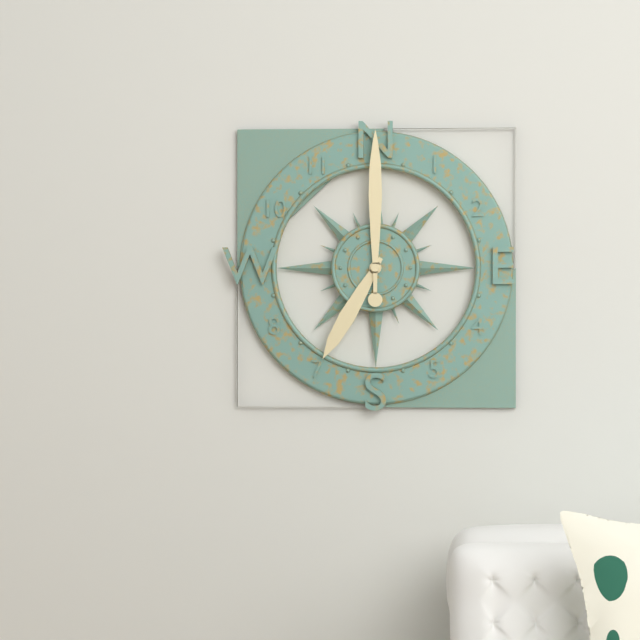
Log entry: 7h00
